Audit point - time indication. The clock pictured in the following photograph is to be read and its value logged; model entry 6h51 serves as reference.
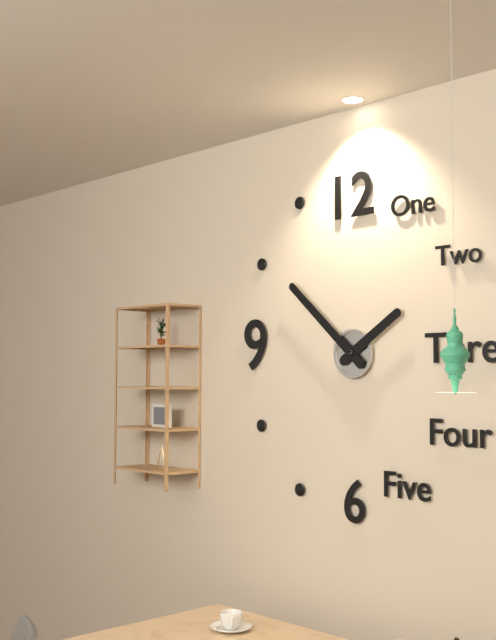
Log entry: 1h52
